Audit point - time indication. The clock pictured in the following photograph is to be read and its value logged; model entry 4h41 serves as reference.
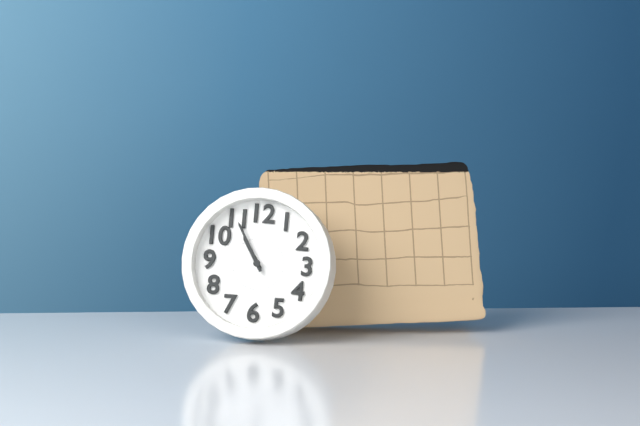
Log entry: 10h55
